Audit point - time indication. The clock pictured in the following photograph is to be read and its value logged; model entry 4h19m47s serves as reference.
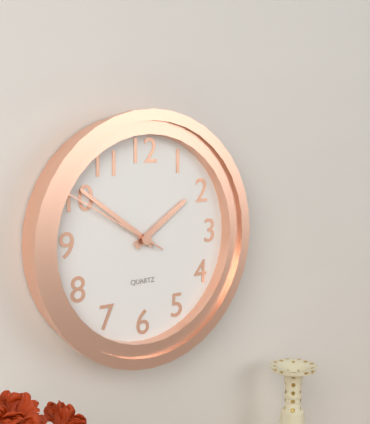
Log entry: 1h51m50s
